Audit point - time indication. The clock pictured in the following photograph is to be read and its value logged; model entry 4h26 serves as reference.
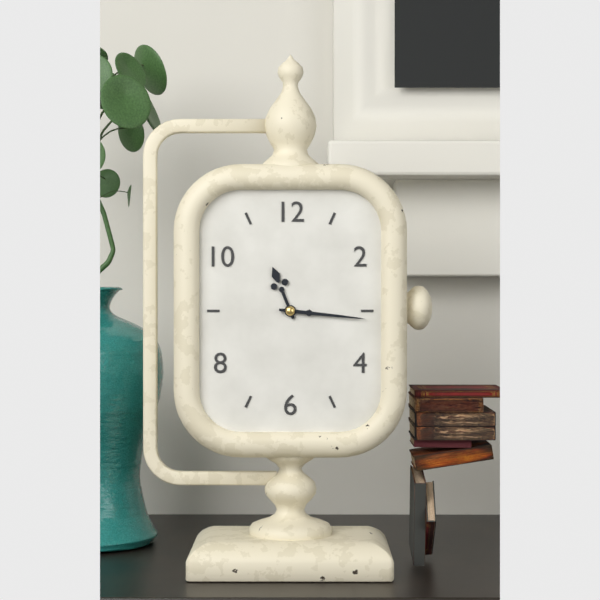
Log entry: 11h16
